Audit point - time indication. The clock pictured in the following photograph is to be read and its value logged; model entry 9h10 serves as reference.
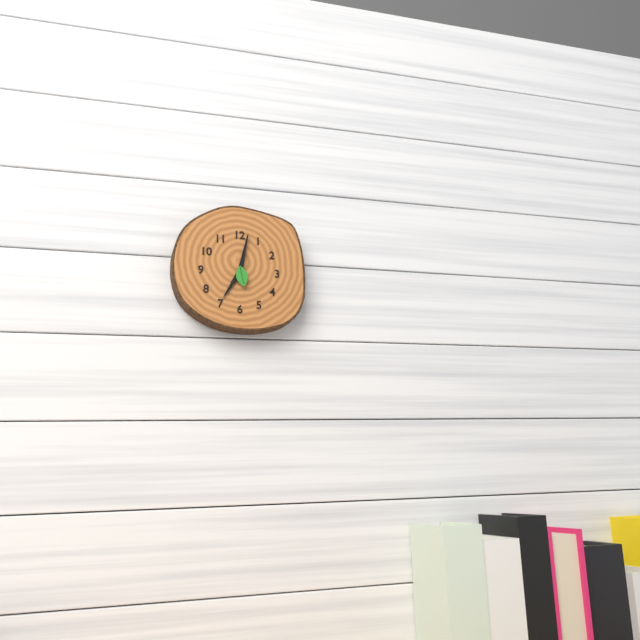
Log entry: 7h02
